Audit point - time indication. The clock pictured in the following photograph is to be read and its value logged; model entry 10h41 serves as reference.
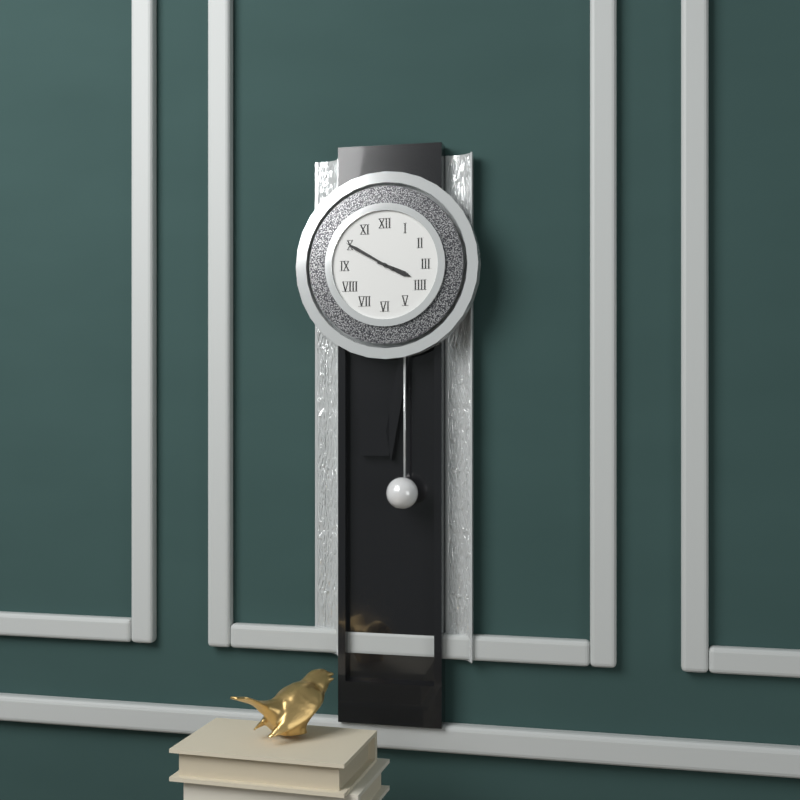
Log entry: 3h50
